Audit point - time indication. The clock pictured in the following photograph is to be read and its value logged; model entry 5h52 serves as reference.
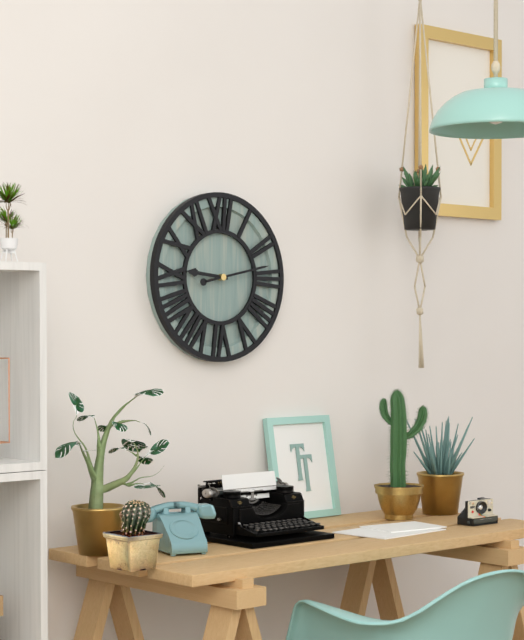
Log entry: 9h13
